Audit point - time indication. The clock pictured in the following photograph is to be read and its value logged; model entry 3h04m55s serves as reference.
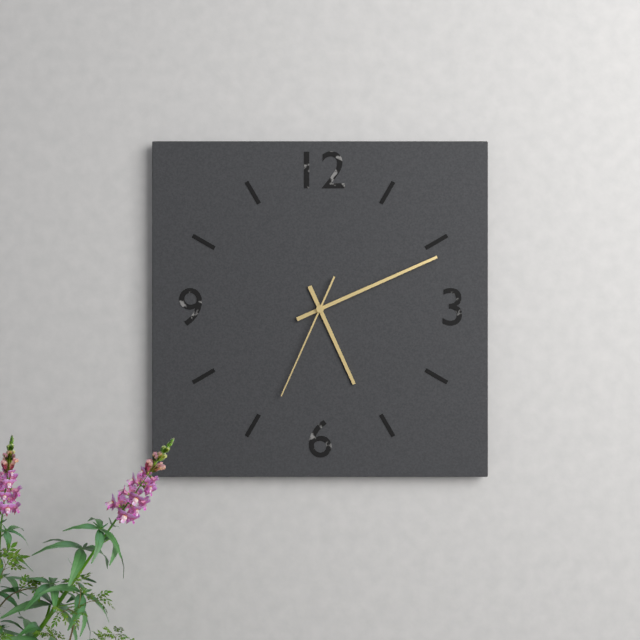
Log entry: 5h11m34s
